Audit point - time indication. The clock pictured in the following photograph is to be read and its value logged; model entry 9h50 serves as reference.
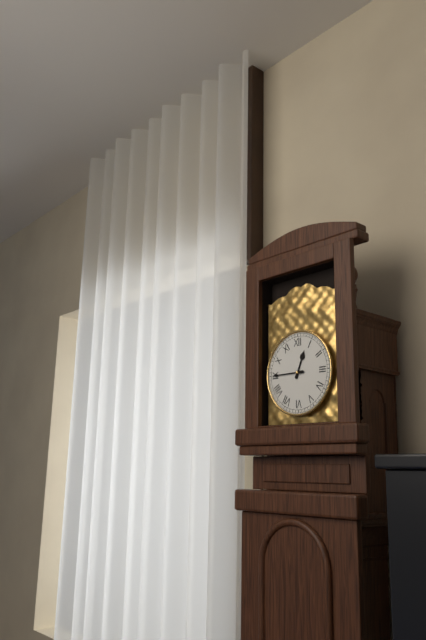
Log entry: 12h45
